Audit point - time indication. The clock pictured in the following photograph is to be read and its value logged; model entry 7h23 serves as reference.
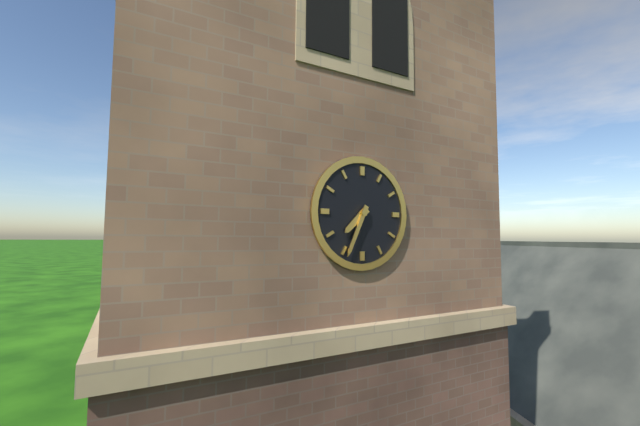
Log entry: 7h34
